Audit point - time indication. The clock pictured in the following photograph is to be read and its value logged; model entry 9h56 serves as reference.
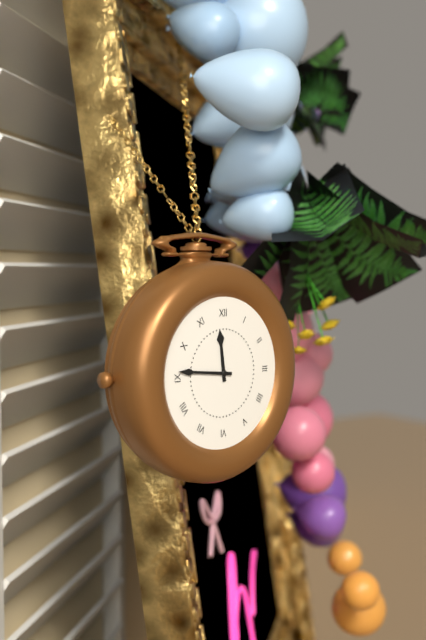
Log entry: 11h46
